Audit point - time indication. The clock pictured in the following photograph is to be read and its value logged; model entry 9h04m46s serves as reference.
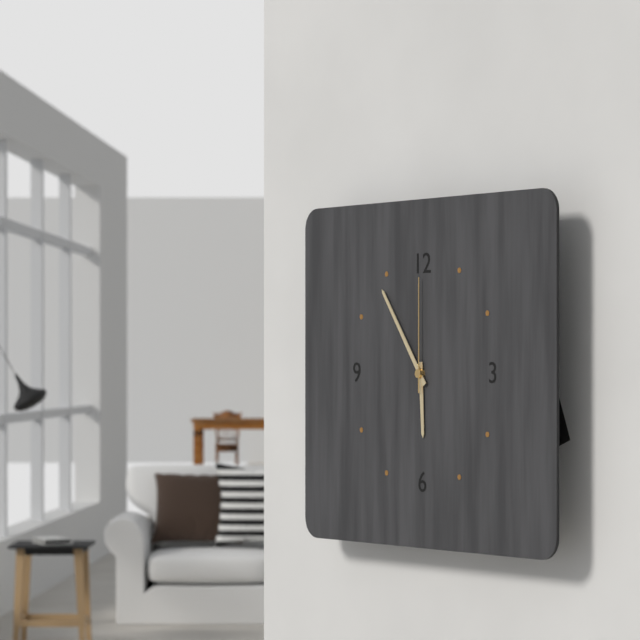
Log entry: 5h54m00s
